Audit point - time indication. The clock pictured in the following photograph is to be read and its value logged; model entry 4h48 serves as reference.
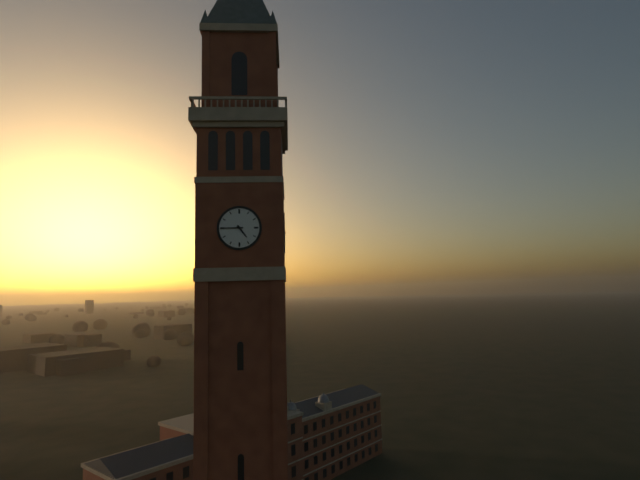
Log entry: 4h45
